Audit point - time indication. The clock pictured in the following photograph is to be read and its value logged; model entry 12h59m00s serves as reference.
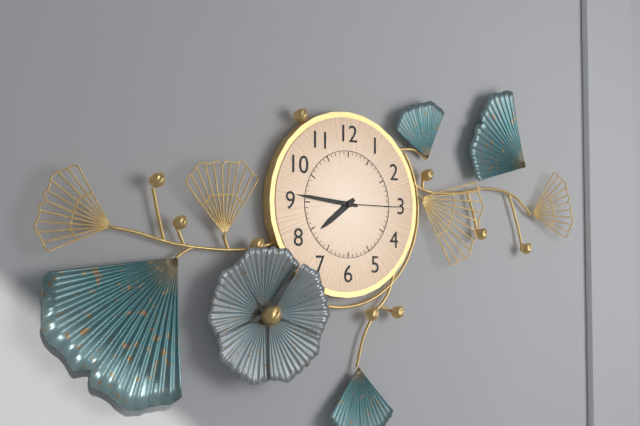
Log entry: 7h46m15s
